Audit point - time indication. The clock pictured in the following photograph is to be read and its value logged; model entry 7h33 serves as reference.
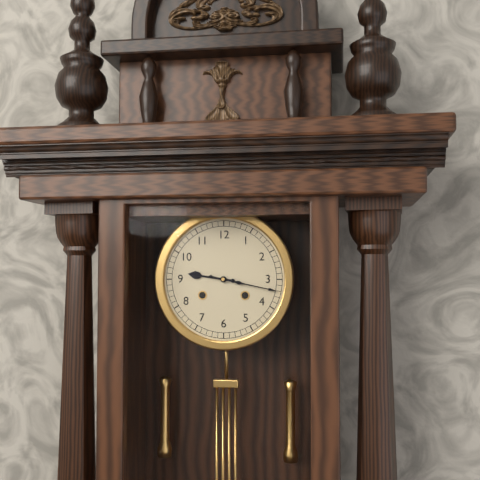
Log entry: 9h17
